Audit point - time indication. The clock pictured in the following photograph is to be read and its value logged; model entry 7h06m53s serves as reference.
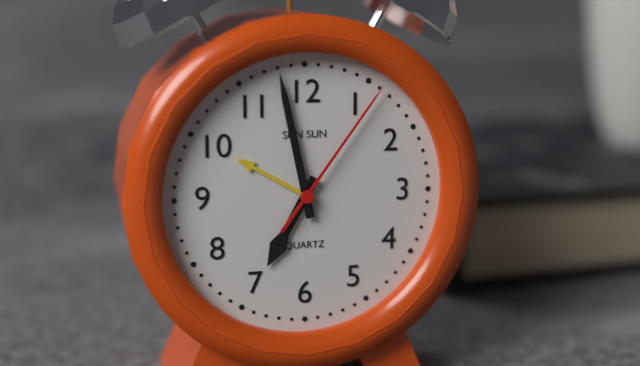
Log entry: 6h58m06s
